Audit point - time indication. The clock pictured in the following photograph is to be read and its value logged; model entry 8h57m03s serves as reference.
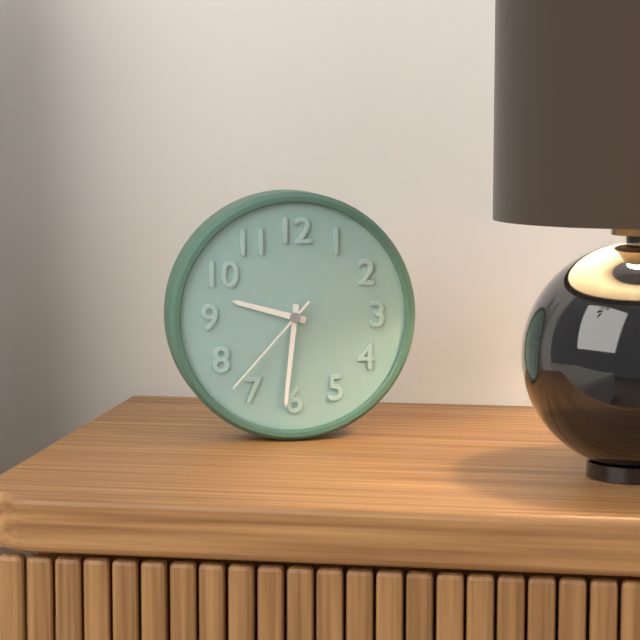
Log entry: 9h31m37s
